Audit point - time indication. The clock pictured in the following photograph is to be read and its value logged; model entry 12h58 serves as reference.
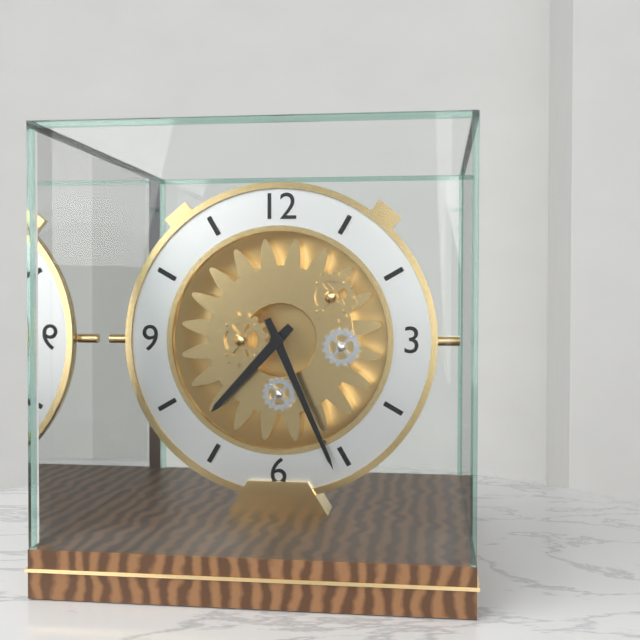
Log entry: 7h26
